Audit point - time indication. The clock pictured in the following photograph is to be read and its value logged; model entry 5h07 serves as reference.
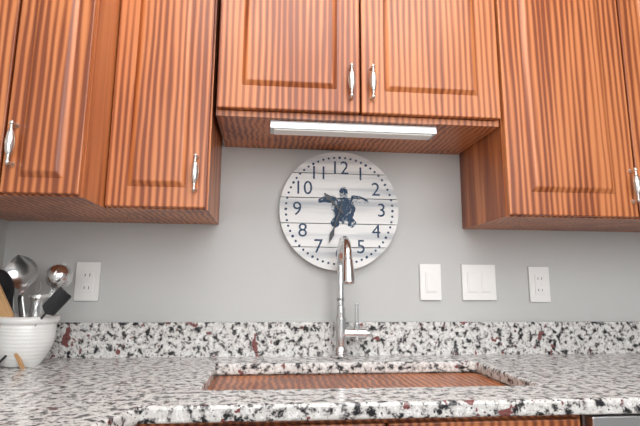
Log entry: 10h33
